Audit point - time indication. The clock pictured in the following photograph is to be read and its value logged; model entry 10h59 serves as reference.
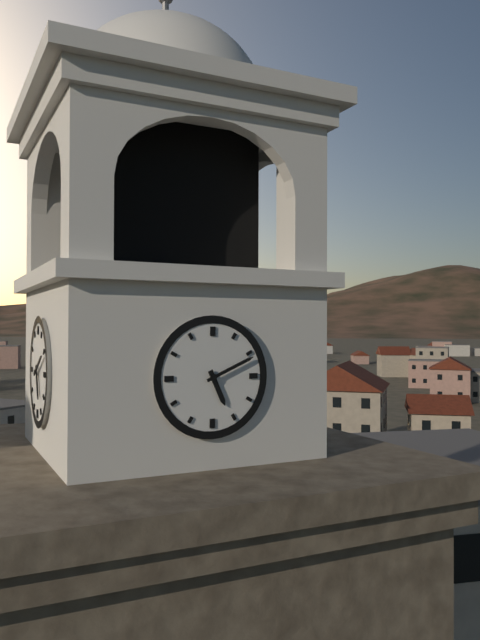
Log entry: 5h11
